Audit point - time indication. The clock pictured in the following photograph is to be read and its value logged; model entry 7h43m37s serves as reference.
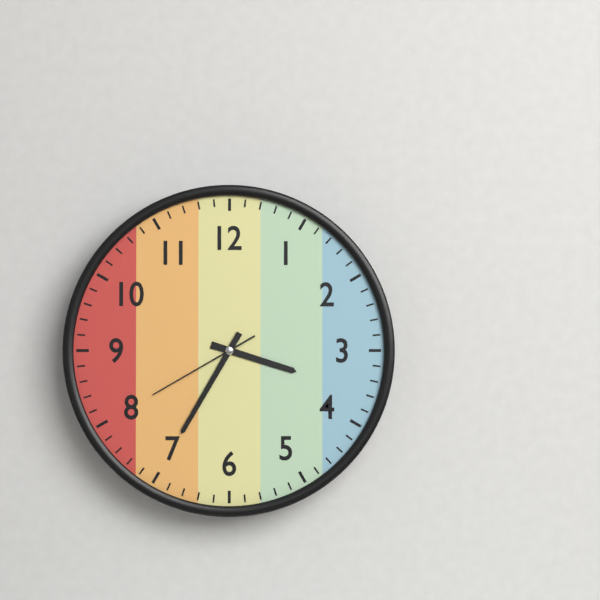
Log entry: 3h35m40s
